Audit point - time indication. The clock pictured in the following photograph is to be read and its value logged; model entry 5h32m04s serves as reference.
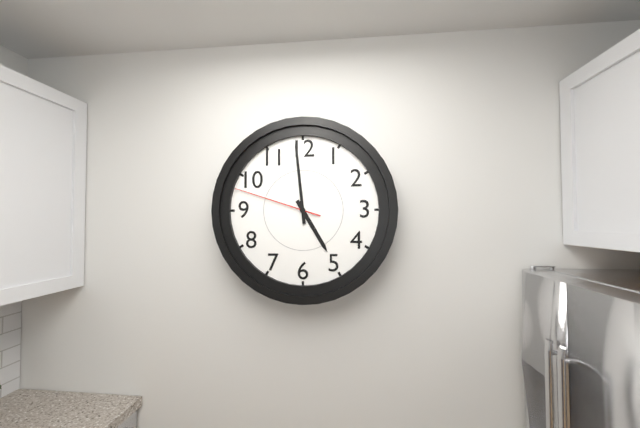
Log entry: 4h59m48s
